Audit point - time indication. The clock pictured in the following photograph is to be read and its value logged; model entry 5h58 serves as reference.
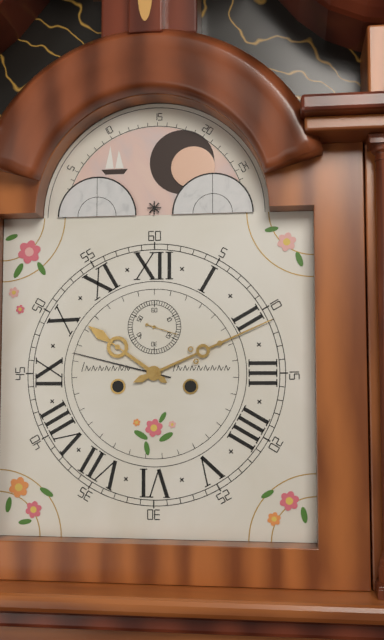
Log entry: 10h11
